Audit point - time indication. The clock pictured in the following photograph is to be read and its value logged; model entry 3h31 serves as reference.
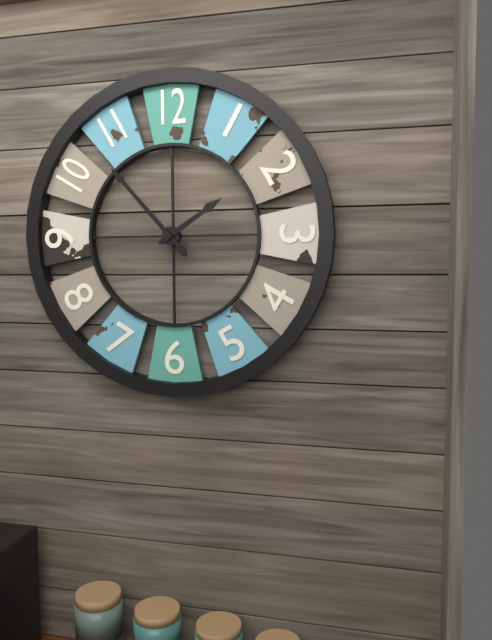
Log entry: 1h53
